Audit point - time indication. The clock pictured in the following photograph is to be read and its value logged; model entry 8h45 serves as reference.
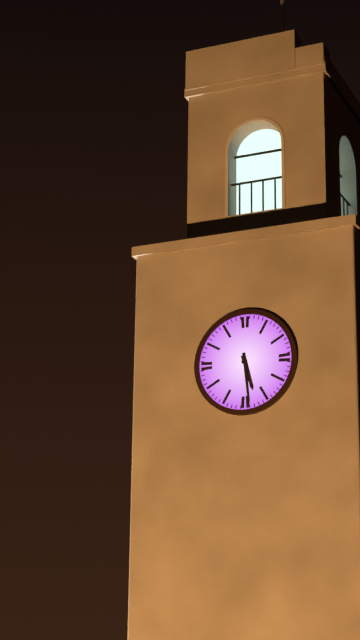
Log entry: 5h29
